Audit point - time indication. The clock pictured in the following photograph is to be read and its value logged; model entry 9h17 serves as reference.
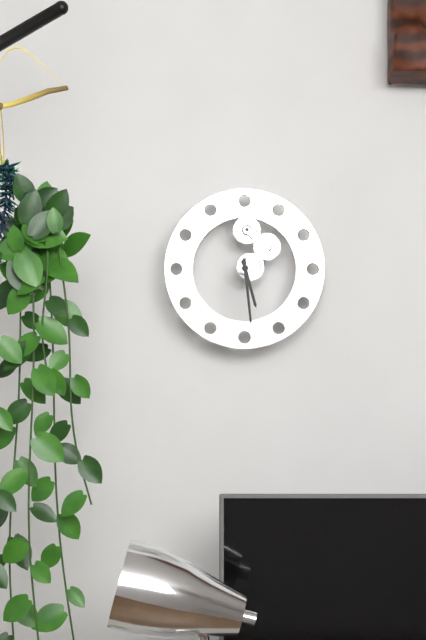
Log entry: 5h29
